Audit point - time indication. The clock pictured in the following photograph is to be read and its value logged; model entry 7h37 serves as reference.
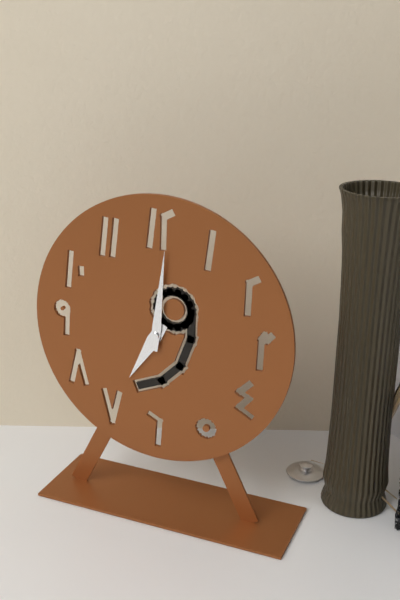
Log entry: 7h01
